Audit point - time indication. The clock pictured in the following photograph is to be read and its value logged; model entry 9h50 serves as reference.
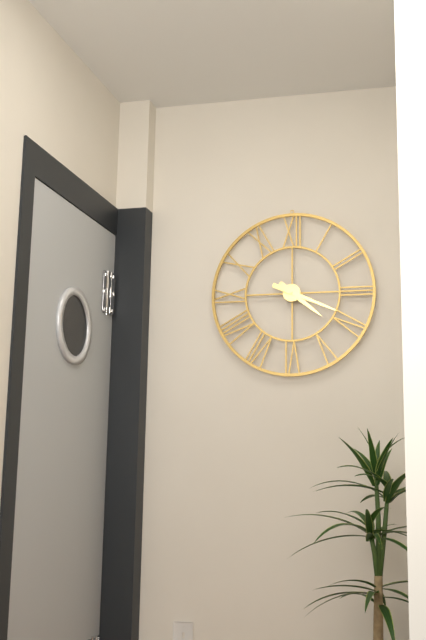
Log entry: 4h19
